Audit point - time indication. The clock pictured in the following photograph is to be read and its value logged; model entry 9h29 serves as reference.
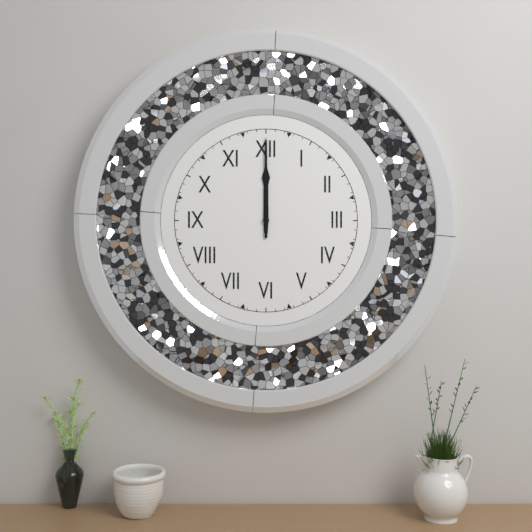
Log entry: 12h00
